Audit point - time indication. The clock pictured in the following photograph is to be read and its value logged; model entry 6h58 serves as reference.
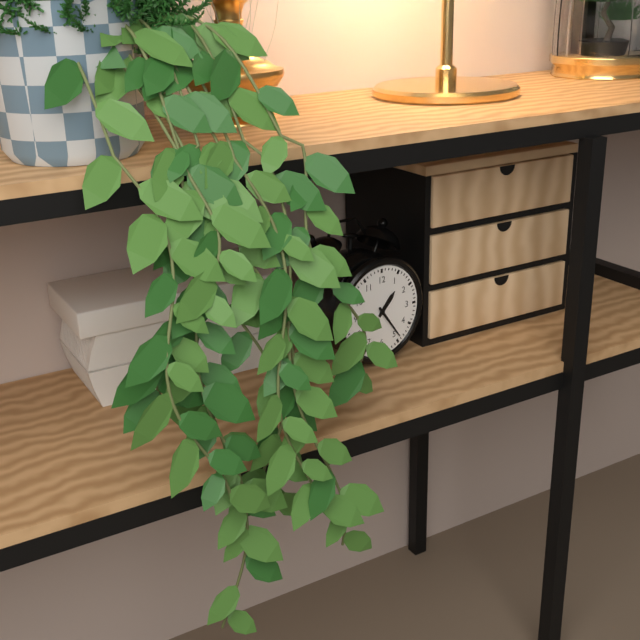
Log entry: 1h24
